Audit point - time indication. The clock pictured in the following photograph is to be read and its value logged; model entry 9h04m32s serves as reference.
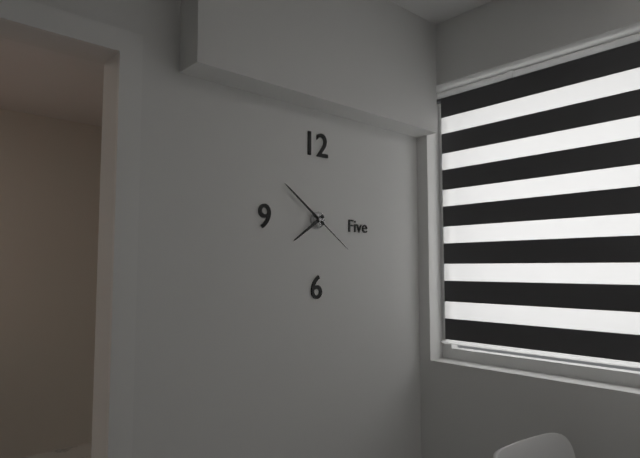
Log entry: 7h51m21s
